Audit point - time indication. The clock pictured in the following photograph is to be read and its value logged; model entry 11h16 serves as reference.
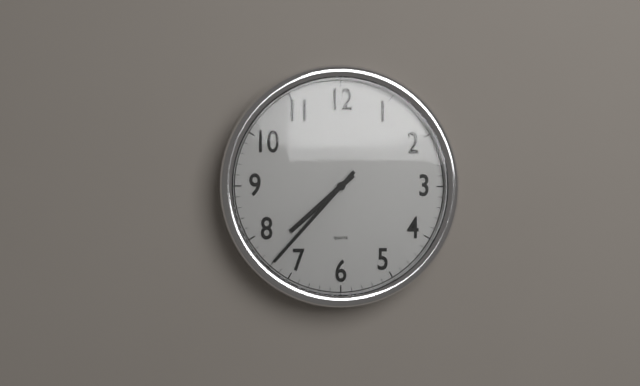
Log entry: 7h37
